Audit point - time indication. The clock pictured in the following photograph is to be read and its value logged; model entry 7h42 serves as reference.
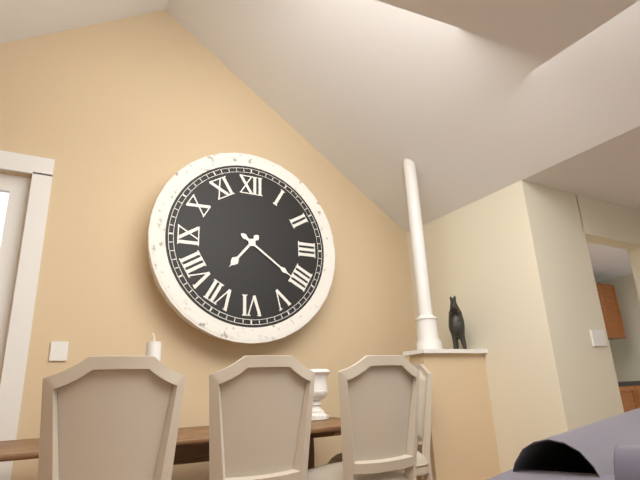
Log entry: 7h21
